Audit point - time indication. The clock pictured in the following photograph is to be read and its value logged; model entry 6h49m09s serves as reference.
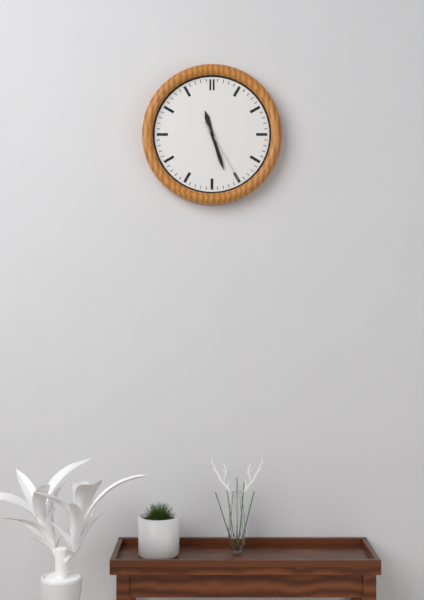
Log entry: 11h27m25s
